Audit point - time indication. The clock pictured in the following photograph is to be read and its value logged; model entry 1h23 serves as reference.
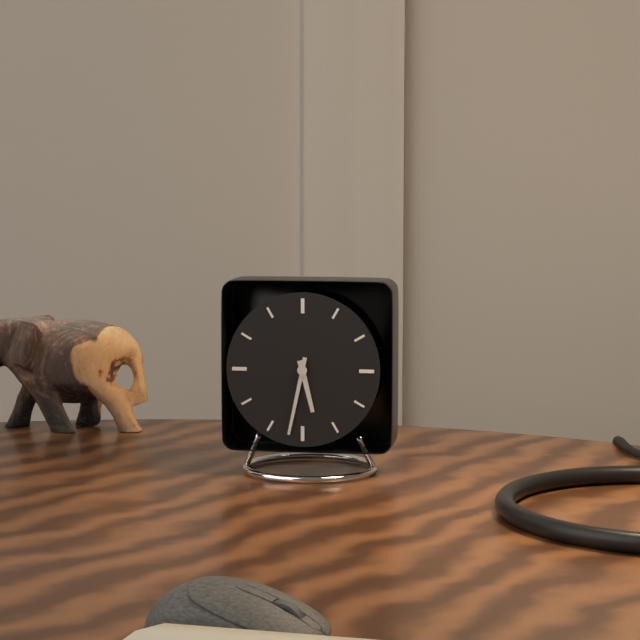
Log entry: 5h32
